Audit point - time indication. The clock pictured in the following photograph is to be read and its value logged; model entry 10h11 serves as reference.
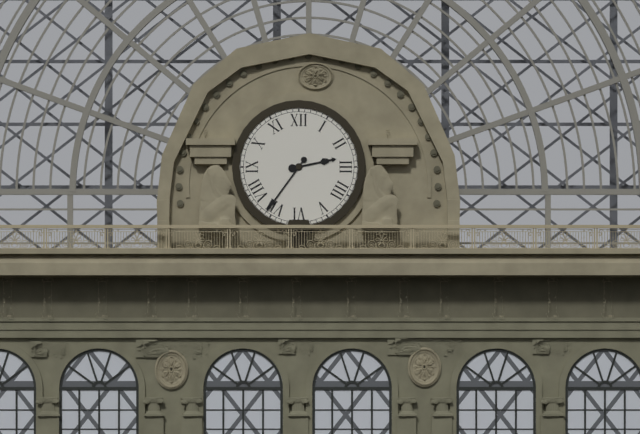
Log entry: 2h36
